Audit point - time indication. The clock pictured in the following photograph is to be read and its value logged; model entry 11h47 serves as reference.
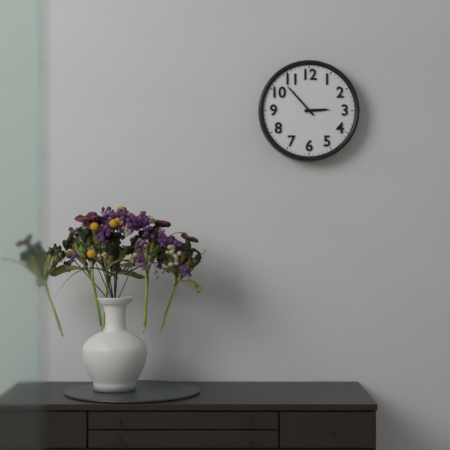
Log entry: 2h53
